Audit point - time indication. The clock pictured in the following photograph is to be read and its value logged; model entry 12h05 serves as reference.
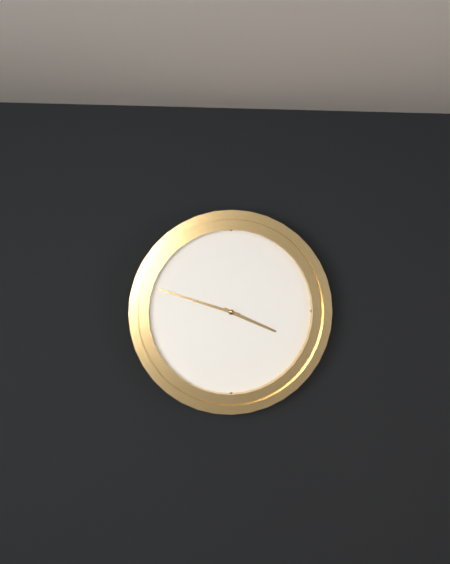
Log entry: 3h48
